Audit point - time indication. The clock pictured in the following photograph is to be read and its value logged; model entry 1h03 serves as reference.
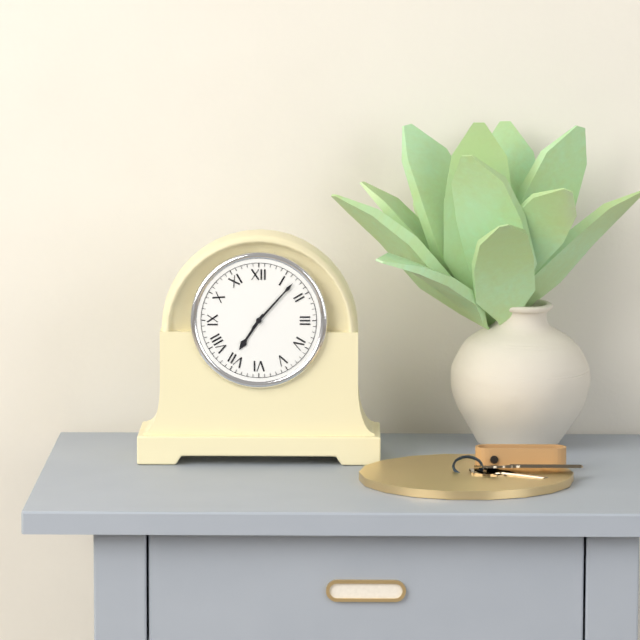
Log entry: 7h07
